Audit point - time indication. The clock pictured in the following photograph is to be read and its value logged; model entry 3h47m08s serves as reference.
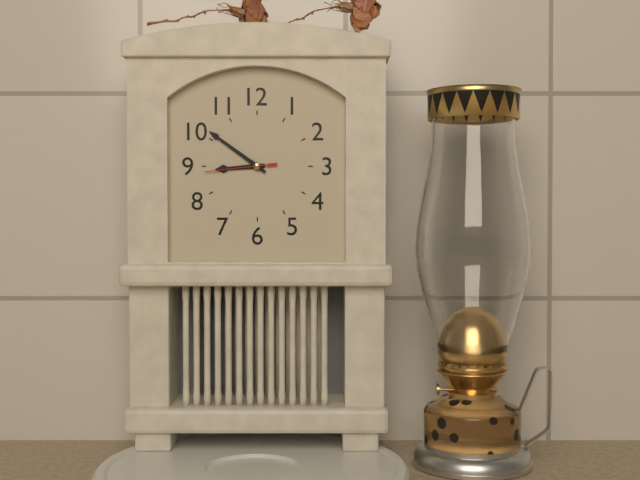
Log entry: 8h51m44s
